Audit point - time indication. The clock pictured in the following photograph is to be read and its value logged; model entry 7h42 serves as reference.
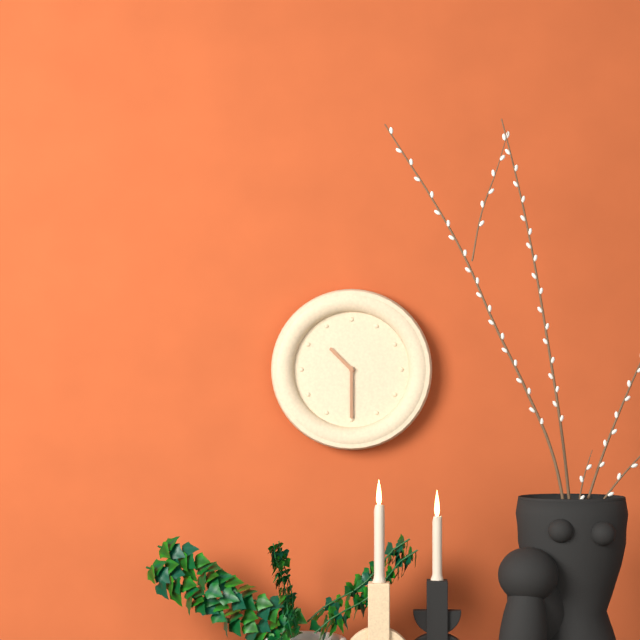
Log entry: 10h30
